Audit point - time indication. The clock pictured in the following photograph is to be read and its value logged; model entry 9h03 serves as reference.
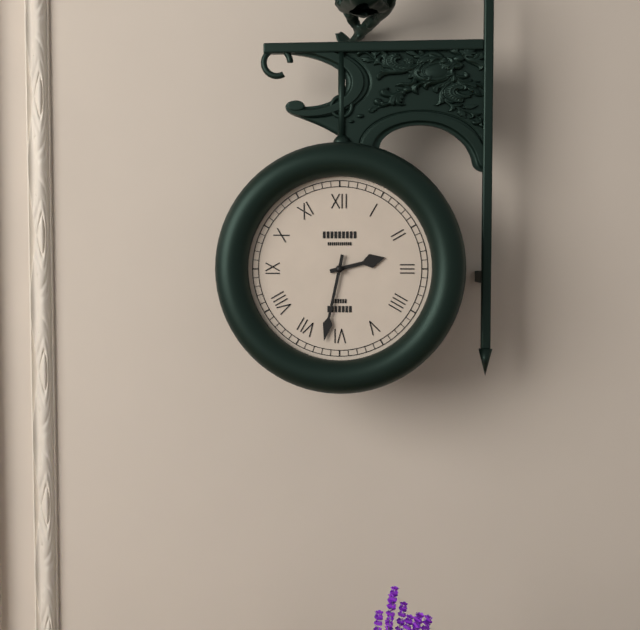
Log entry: 2h32
